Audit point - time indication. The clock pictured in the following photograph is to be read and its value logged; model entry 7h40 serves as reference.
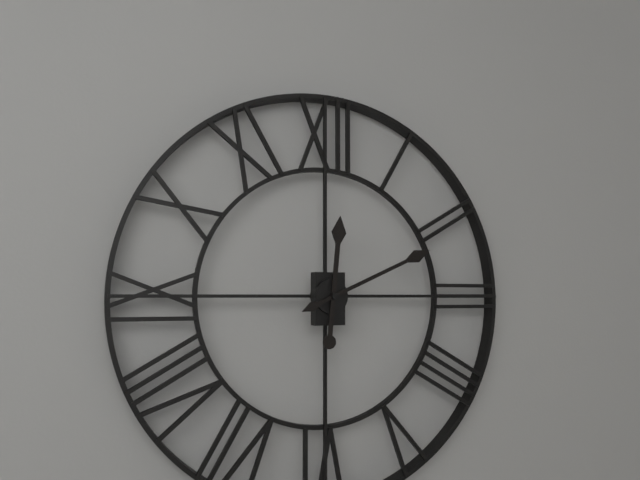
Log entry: 12h11
